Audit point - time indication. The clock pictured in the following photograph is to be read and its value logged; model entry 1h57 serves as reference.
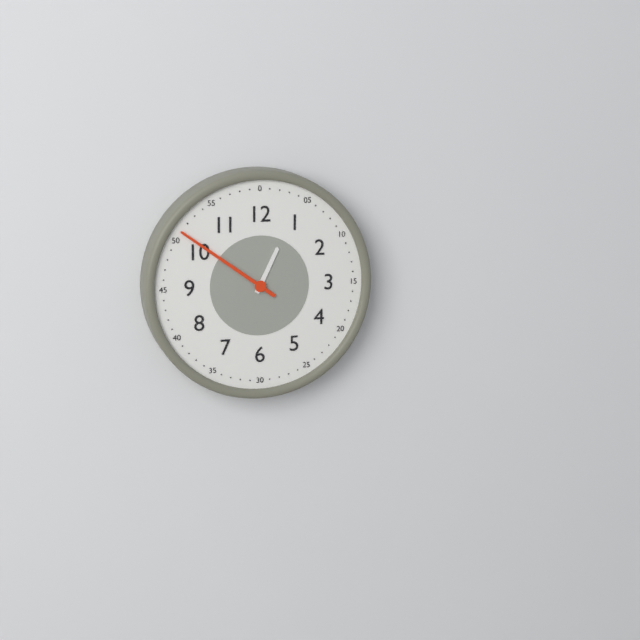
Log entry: 12h51
